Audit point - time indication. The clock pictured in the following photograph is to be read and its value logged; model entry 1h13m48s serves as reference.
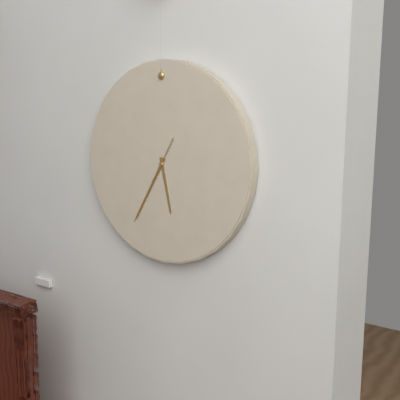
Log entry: 5h35m35s
